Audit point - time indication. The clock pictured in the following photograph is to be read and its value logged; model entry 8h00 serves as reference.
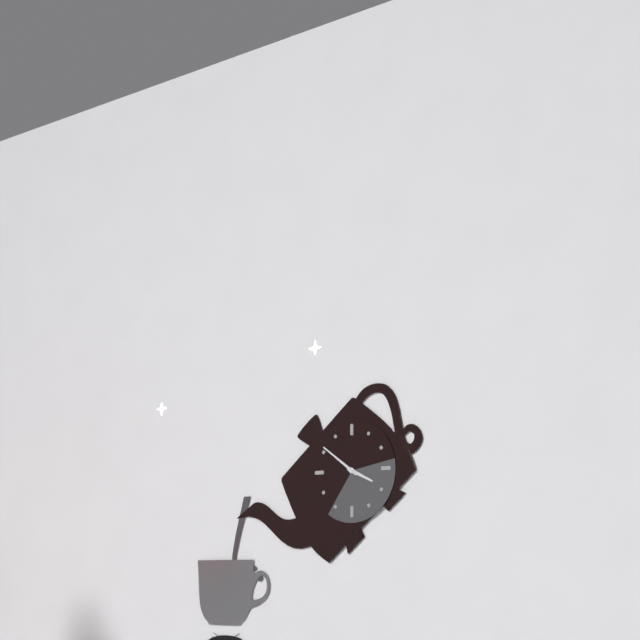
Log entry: 3h51
